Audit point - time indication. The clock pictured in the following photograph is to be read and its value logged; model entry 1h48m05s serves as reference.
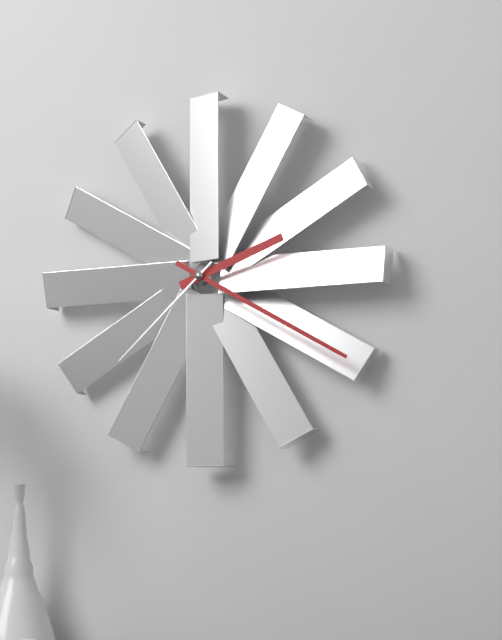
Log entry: 2h20m38s
